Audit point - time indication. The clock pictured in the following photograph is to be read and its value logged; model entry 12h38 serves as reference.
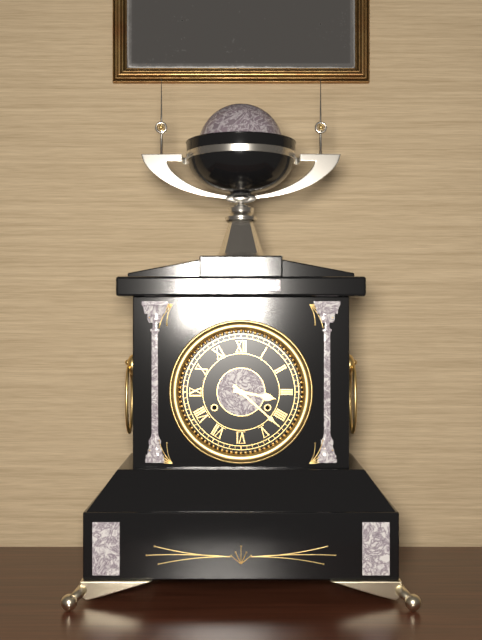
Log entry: 3h22
